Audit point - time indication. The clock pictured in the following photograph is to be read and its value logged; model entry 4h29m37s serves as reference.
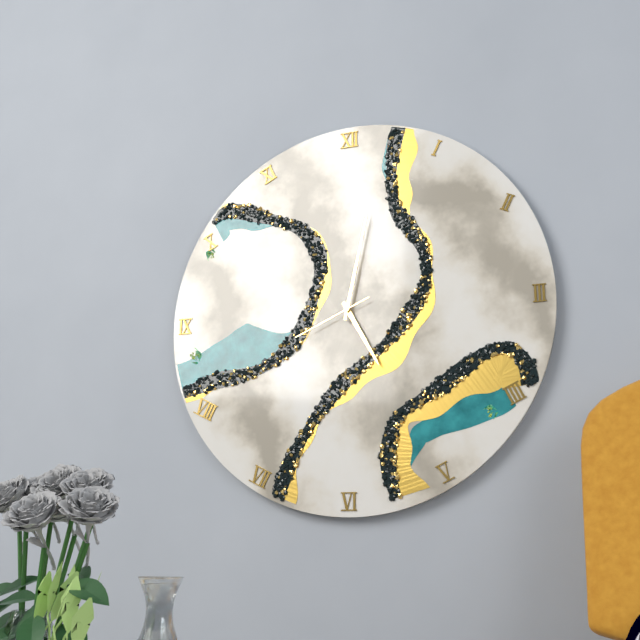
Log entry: 5h02m41s
